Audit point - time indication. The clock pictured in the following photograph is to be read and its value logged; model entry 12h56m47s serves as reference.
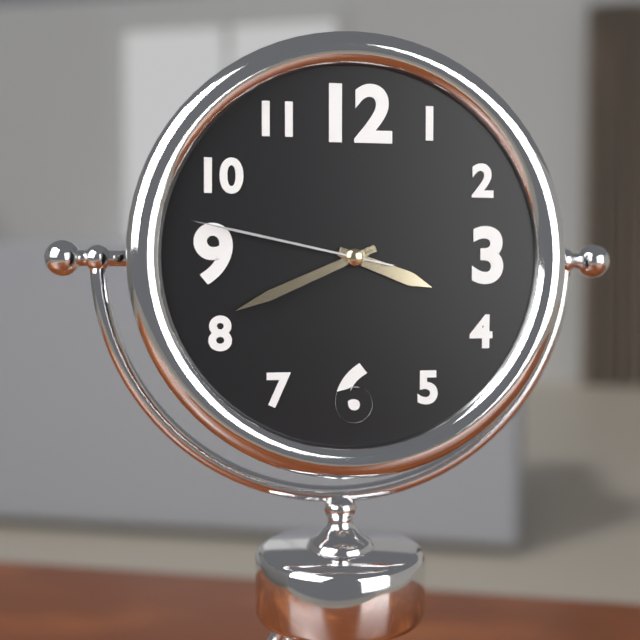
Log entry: 3h41m47s
